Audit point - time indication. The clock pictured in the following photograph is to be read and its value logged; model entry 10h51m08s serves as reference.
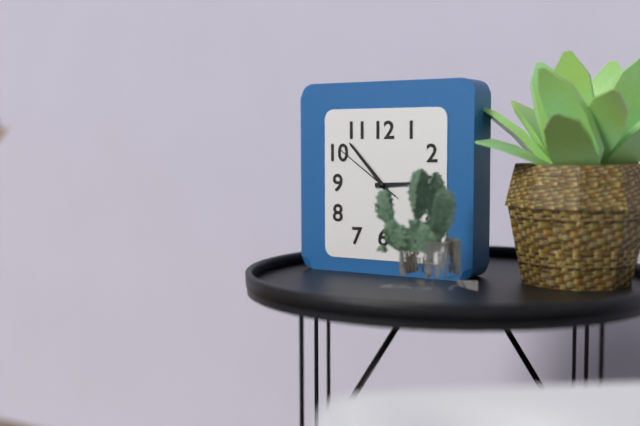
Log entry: 2h53m51s
